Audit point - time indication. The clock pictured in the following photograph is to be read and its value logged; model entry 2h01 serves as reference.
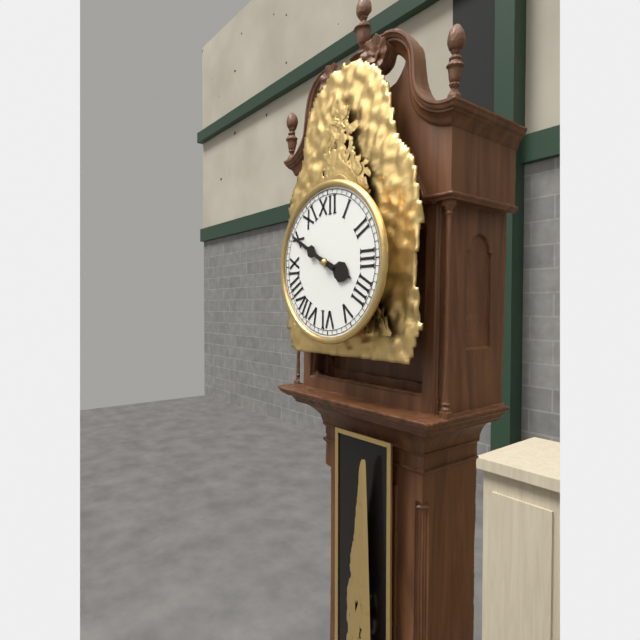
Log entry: 3h50
